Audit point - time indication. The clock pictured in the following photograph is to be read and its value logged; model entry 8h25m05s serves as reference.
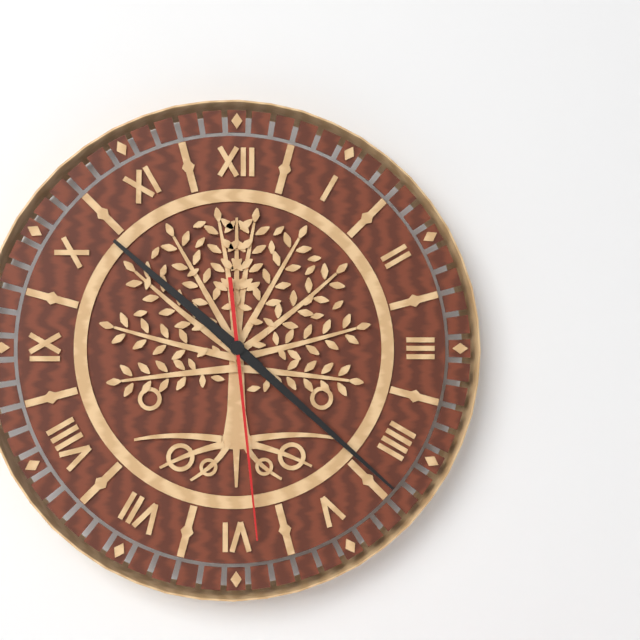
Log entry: 10h22m29s
